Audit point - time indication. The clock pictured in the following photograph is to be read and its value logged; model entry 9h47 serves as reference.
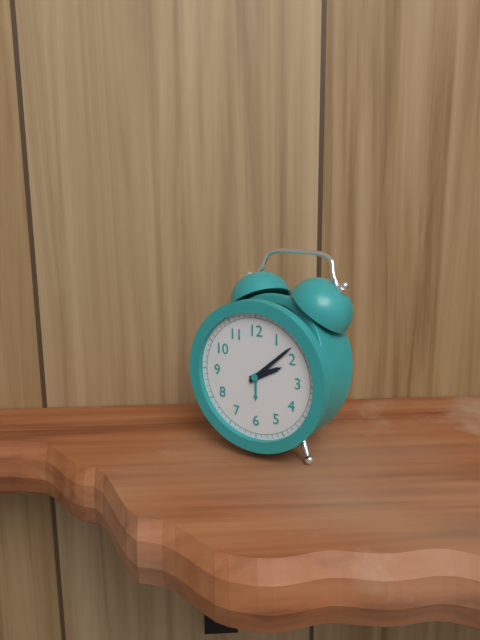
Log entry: 2h08
